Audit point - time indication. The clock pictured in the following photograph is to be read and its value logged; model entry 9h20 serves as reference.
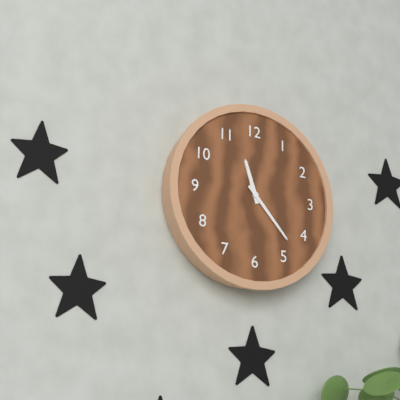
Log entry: 11h23
